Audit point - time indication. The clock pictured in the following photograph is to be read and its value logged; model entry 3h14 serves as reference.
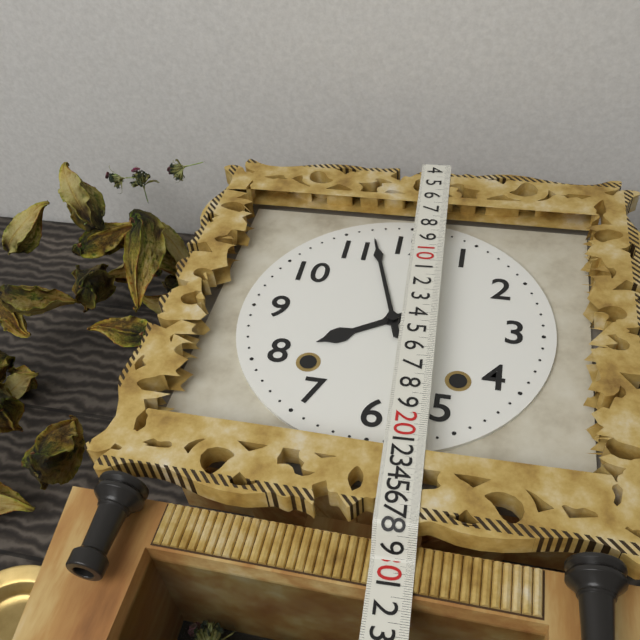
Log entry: 7h57
